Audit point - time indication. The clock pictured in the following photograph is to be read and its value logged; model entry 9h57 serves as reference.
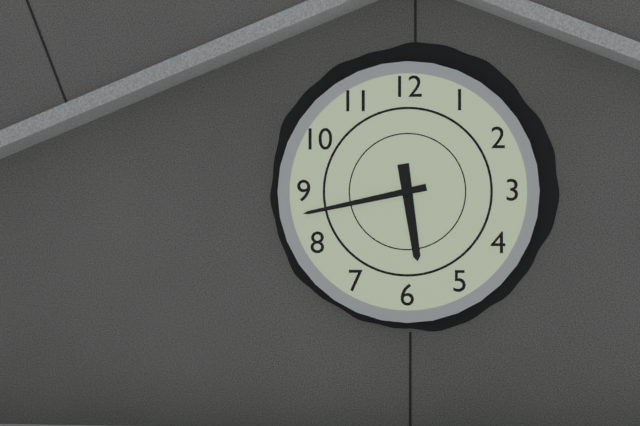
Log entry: 5h43
